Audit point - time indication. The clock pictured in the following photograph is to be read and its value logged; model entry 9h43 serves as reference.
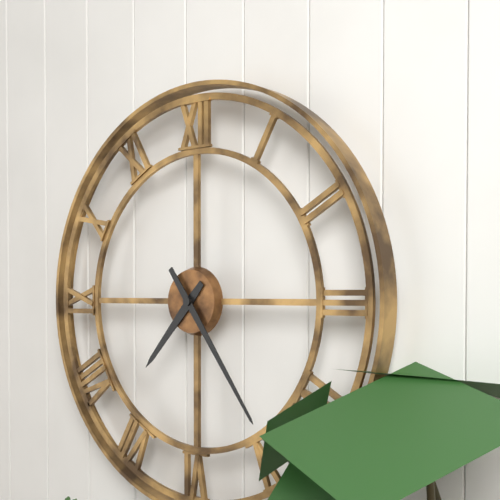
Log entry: 7h24
